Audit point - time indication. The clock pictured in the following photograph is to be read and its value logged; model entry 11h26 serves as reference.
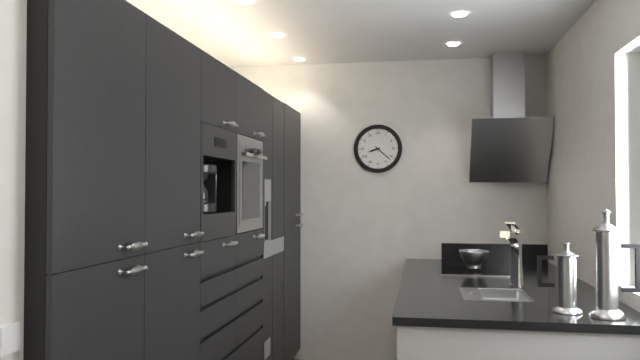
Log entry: 8h22
